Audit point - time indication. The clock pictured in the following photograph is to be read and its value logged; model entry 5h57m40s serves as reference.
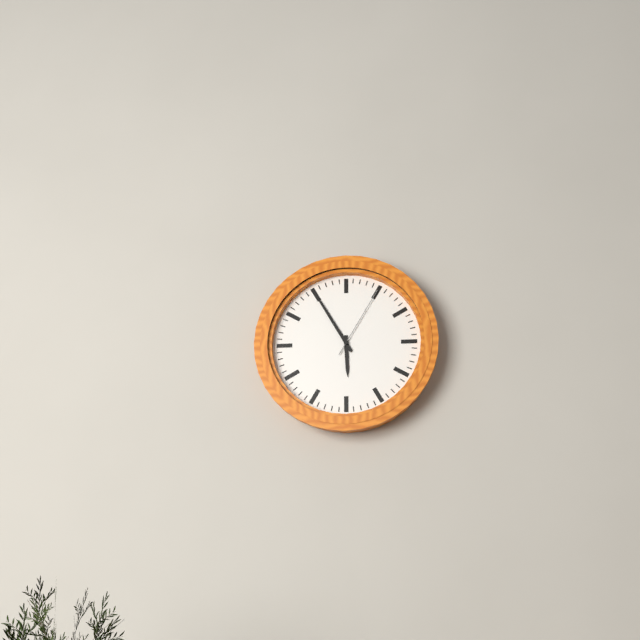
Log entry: 5h55m05s
